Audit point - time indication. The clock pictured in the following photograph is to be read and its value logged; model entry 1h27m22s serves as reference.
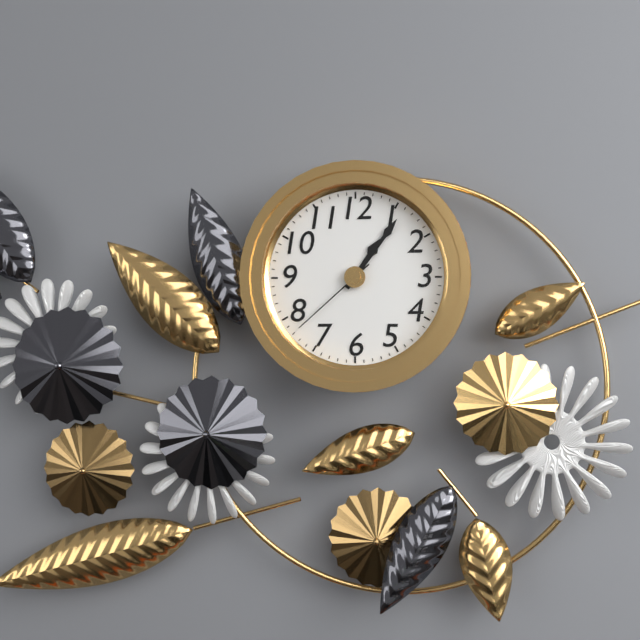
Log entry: 1h06m38s
